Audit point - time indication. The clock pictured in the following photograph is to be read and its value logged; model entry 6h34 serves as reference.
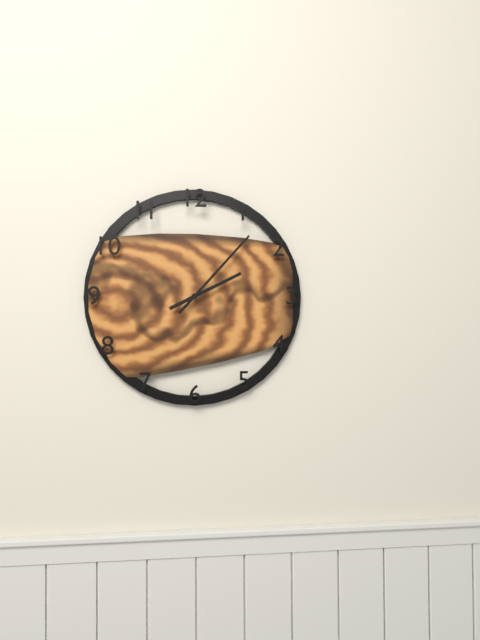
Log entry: 2h07
